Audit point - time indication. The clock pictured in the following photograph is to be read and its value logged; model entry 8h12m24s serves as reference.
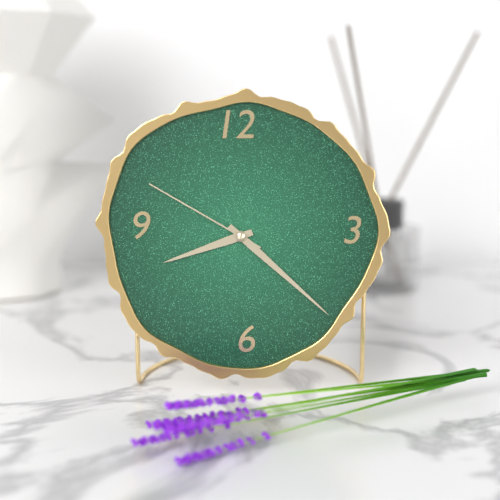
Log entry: 8h22m50s
